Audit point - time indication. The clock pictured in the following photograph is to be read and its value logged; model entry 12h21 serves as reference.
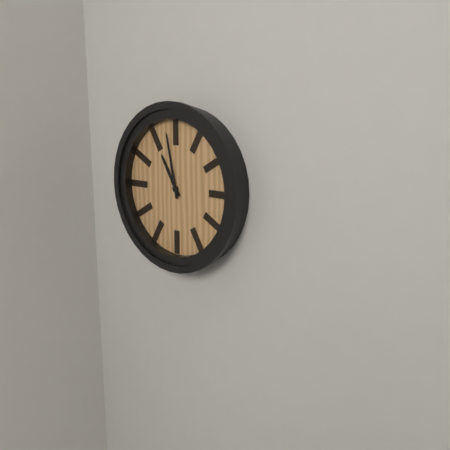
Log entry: 10h58
